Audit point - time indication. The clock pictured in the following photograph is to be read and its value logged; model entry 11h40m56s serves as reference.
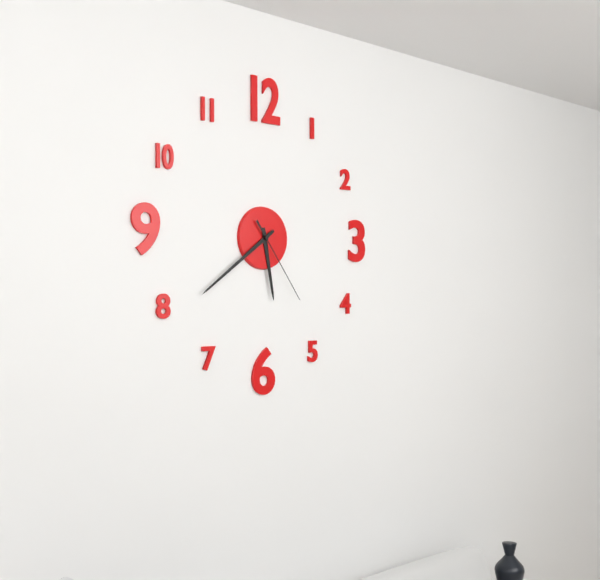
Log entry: 5h39m24s
